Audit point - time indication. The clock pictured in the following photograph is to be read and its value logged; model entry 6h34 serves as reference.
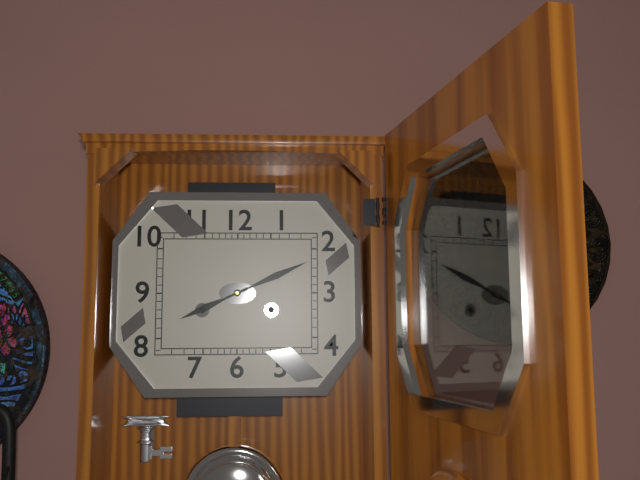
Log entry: 8h11
